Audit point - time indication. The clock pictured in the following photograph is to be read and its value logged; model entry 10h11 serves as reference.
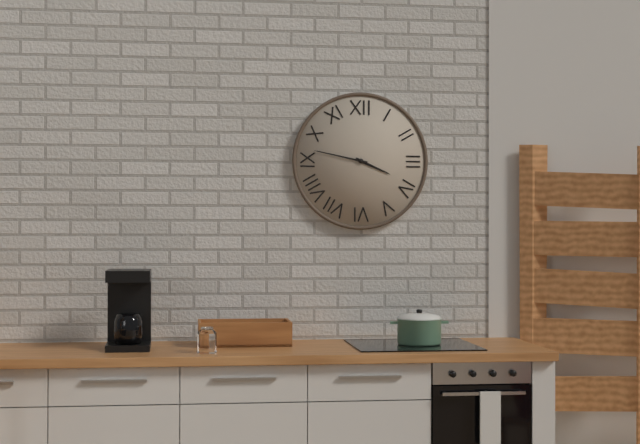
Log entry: 3h47
